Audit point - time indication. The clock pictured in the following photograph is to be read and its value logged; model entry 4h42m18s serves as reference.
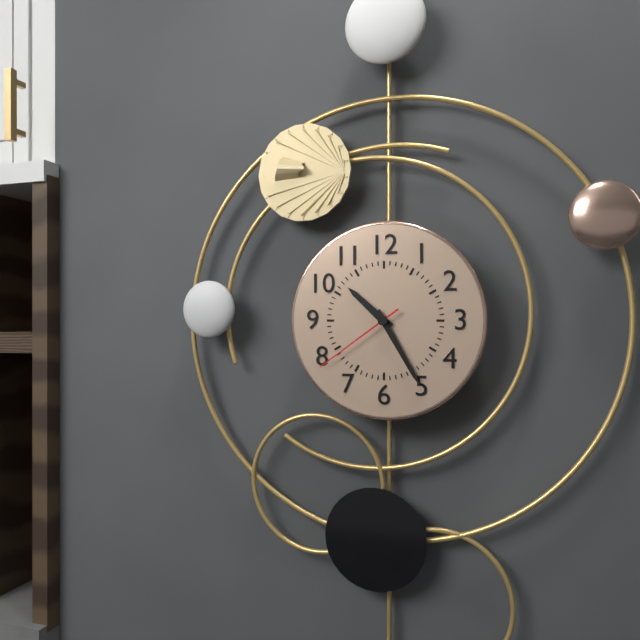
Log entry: 10h25m39s
